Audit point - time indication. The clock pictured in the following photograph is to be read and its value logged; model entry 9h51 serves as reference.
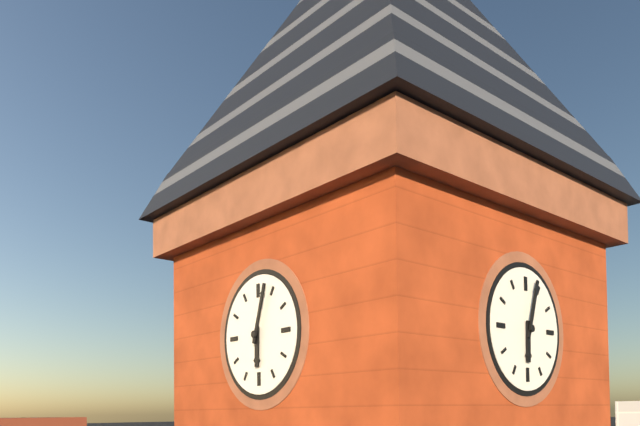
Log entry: 6h03
